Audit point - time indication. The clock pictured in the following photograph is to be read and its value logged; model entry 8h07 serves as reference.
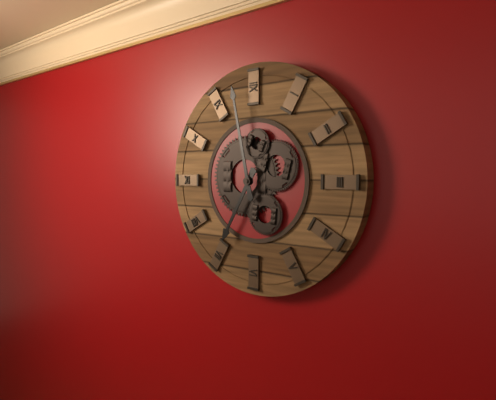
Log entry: 6h58
